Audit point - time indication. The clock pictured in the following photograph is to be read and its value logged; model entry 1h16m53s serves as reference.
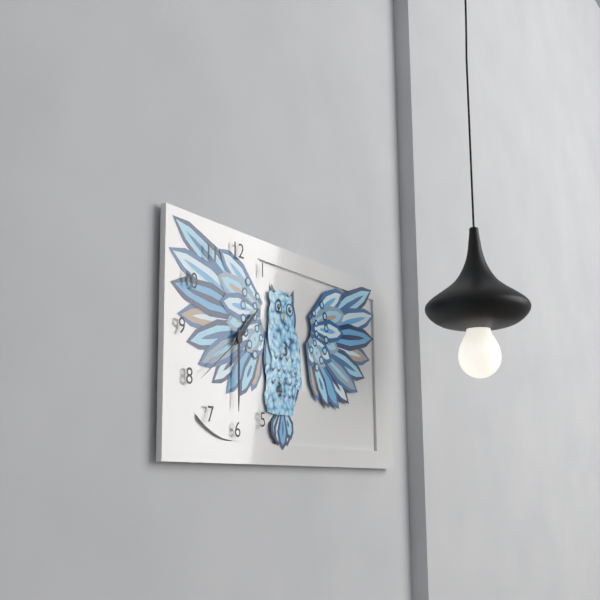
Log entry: 1h30m39s
